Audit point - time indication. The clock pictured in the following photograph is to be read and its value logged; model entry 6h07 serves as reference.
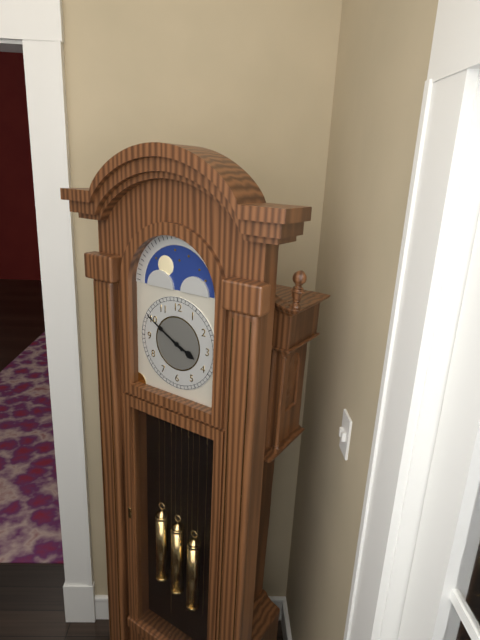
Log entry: 3h50
